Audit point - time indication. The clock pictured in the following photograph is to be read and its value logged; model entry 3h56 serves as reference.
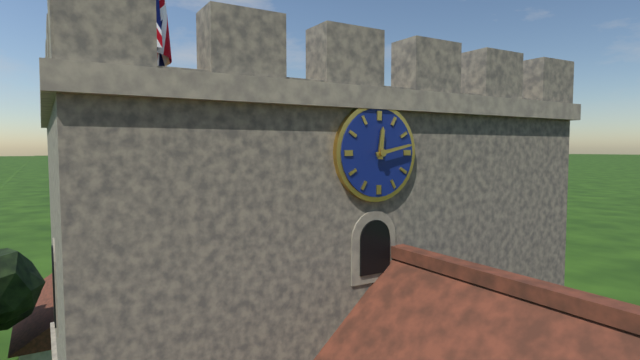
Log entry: 12h13
